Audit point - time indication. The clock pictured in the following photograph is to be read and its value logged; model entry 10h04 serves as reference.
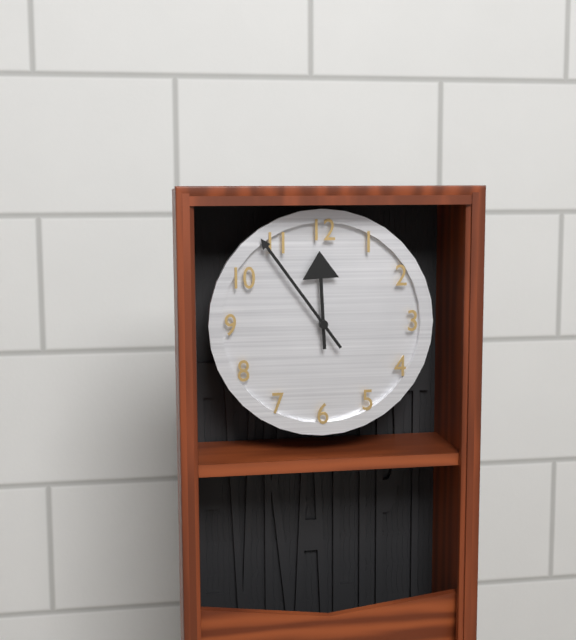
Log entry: 11h54
